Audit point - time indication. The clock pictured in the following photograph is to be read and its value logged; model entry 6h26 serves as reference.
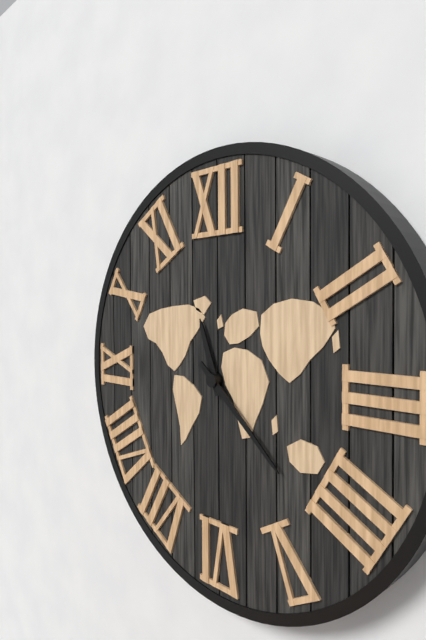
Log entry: 11h22
